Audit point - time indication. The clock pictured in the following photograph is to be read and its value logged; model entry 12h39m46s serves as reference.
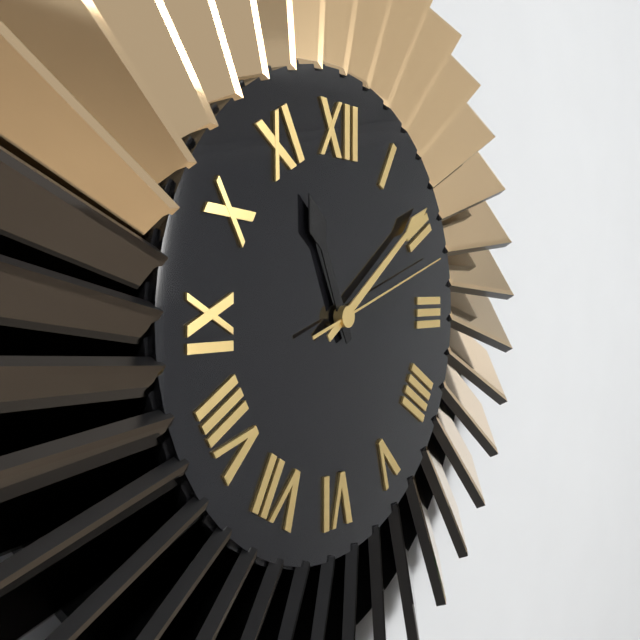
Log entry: 11h09m12s
